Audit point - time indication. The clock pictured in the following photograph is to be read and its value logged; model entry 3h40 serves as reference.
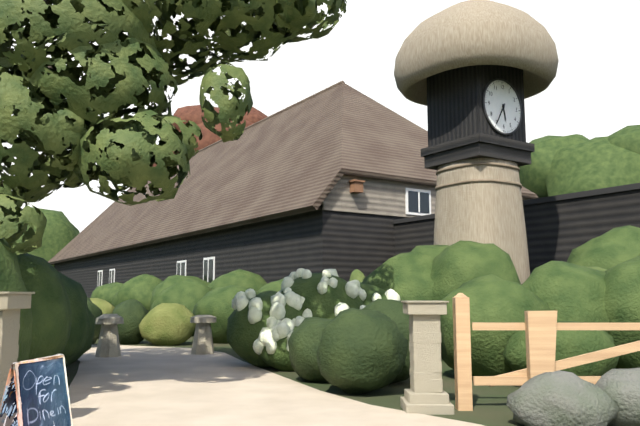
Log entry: 5h35
